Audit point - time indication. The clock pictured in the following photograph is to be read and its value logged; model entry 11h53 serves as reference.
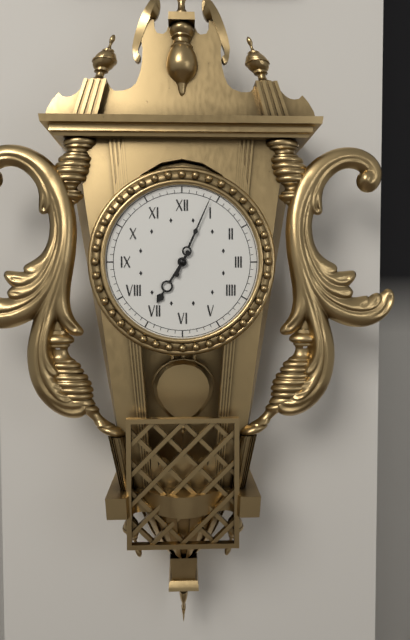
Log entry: 7h04
